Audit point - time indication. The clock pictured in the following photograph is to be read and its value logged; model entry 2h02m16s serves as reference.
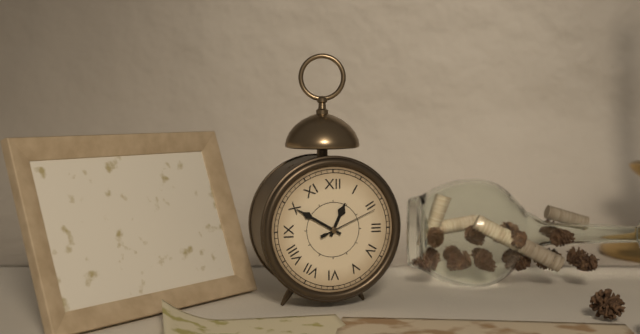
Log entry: 12h50m11s
